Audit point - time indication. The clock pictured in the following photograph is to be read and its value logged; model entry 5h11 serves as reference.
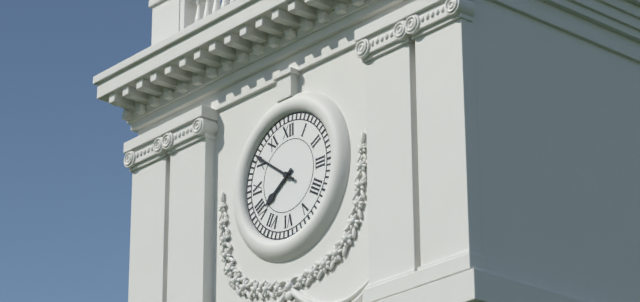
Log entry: 7h51
